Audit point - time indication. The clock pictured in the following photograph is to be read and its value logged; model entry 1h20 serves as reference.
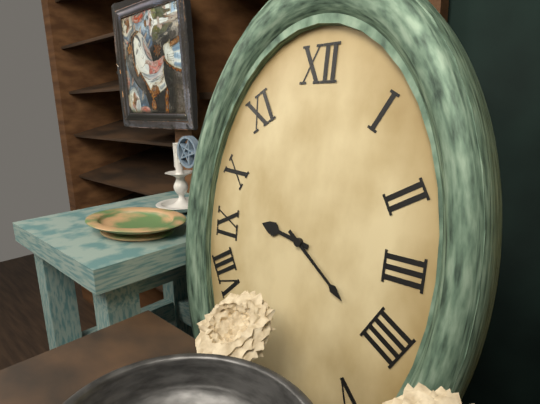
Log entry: 9h21
